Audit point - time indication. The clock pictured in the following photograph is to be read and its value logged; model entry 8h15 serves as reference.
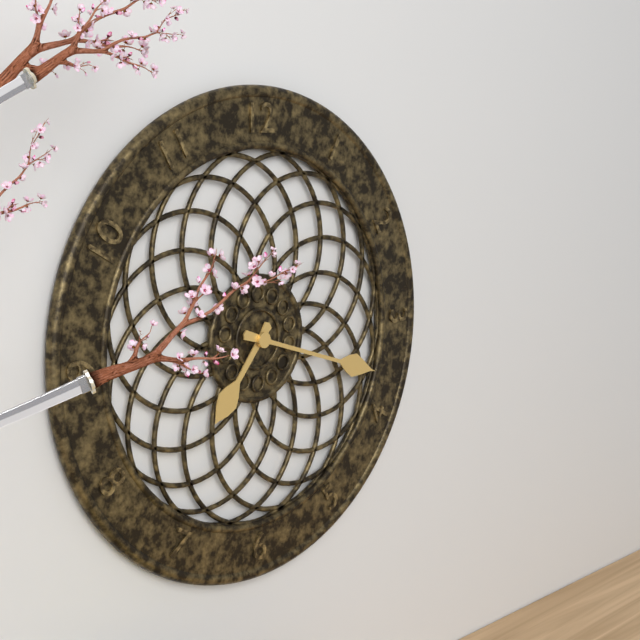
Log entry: 7h18
